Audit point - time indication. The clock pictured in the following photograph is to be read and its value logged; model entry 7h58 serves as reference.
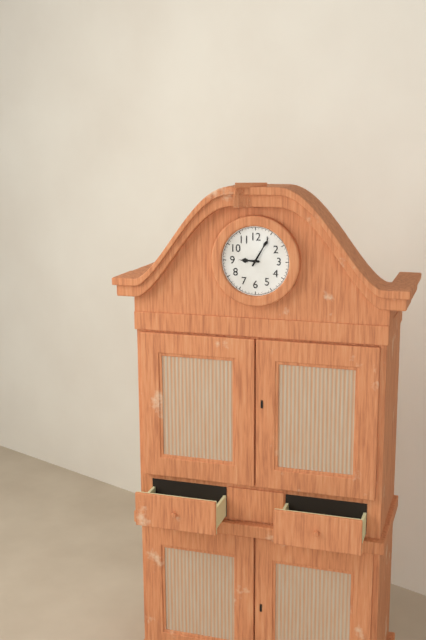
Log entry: 9h05
